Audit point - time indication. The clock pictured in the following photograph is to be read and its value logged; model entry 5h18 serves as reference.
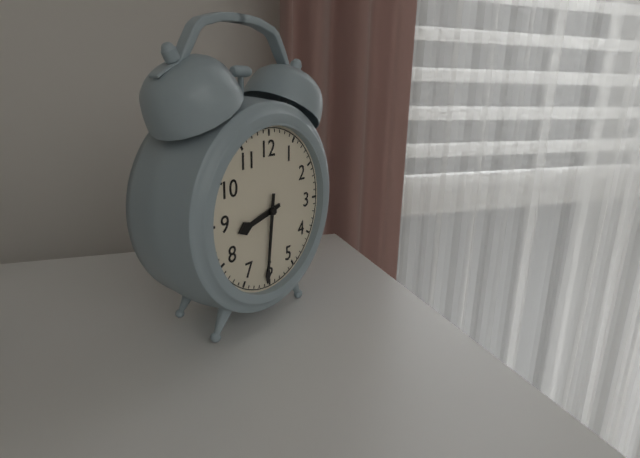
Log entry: 8h31
